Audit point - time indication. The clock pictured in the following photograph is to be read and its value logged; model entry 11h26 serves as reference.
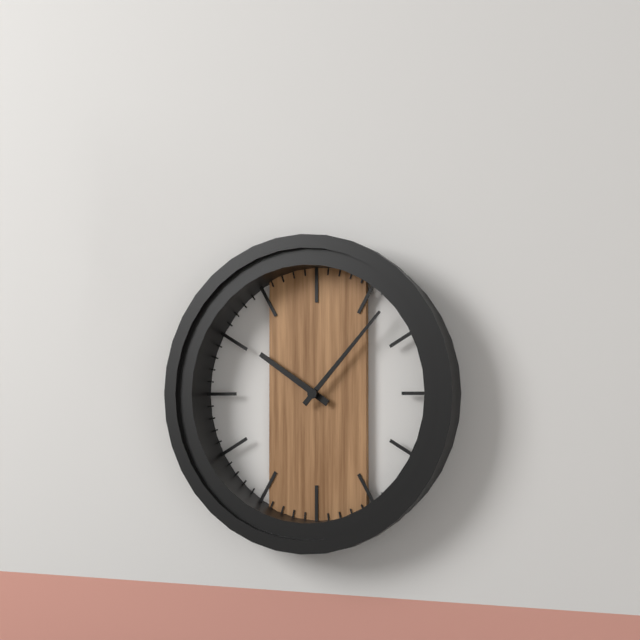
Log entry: 10h07
